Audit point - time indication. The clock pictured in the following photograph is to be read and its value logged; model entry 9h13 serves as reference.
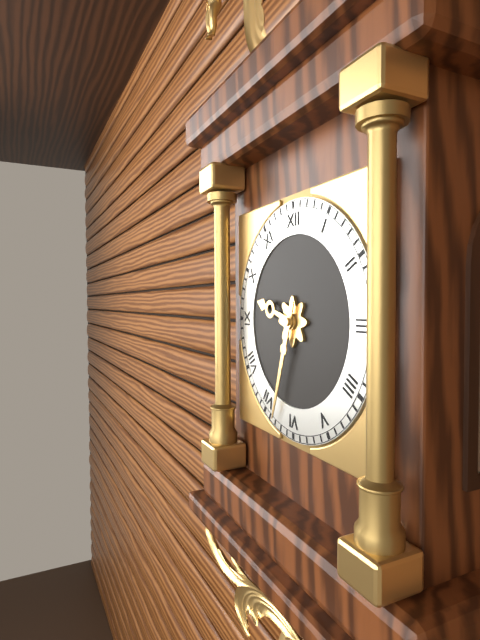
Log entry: 9h33
